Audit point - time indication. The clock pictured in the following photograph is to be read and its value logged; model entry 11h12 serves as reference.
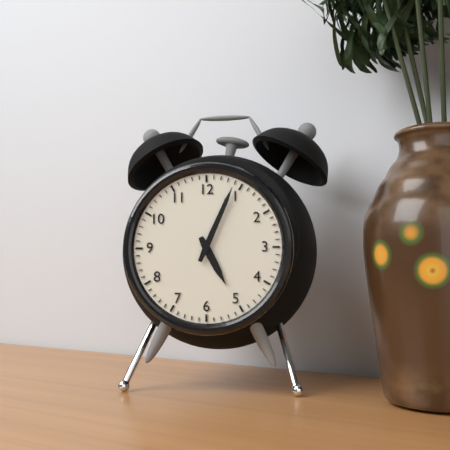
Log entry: 5h04
